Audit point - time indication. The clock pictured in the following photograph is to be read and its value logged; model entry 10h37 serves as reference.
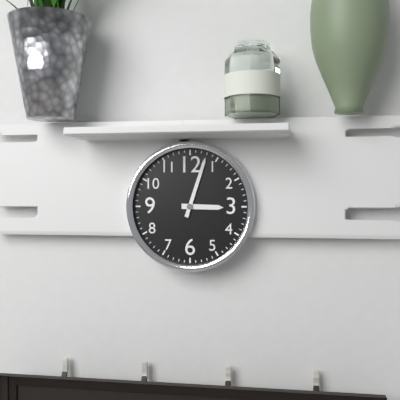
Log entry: 3h03
